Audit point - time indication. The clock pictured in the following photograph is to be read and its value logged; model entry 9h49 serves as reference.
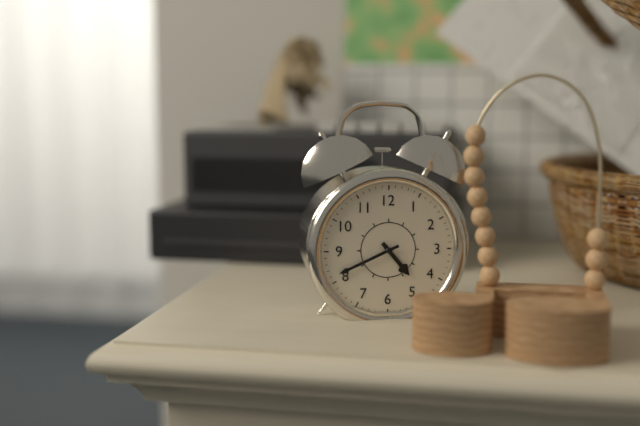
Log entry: 4h41
